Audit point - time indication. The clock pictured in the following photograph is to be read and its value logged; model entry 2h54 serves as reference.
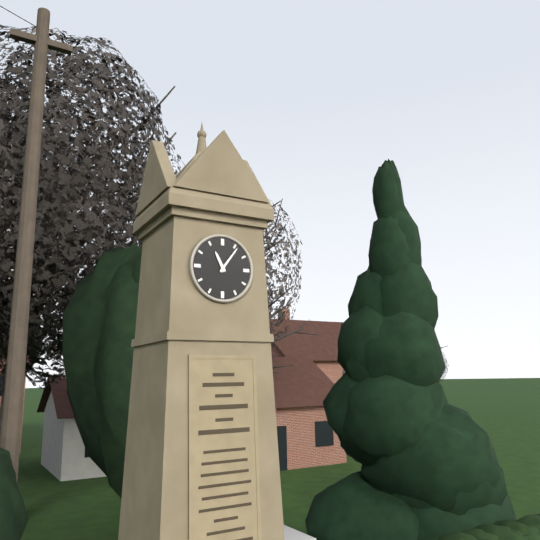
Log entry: 11h06
